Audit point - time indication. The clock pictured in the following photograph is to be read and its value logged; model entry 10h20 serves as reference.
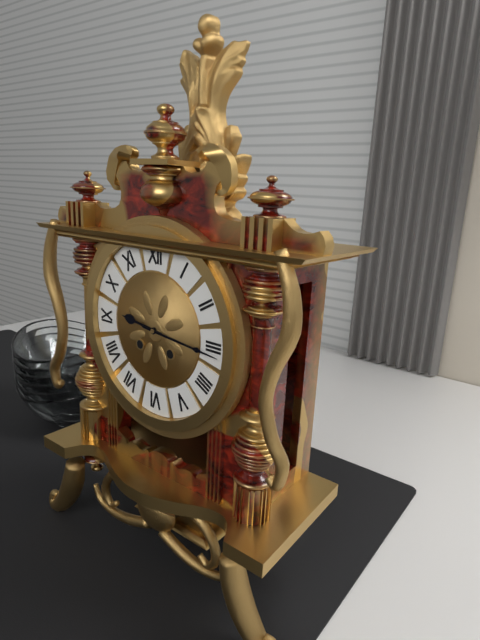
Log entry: 9h16
